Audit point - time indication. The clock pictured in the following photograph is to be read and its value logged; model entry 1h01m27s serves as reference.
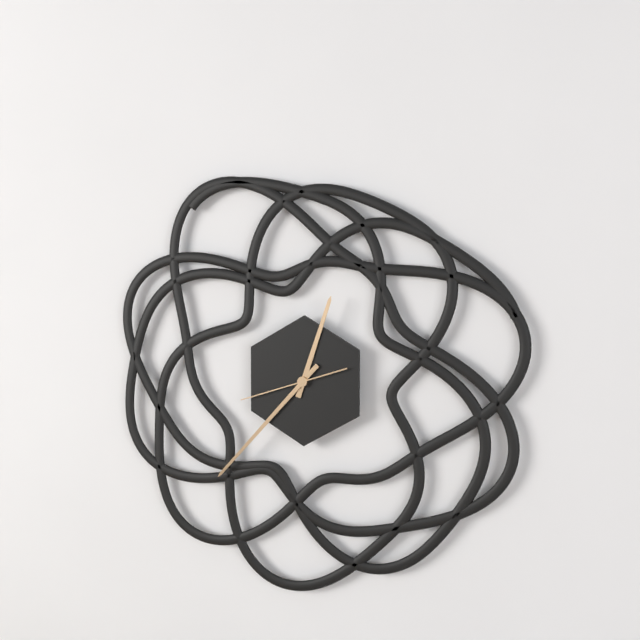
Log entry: 12h37m42s
